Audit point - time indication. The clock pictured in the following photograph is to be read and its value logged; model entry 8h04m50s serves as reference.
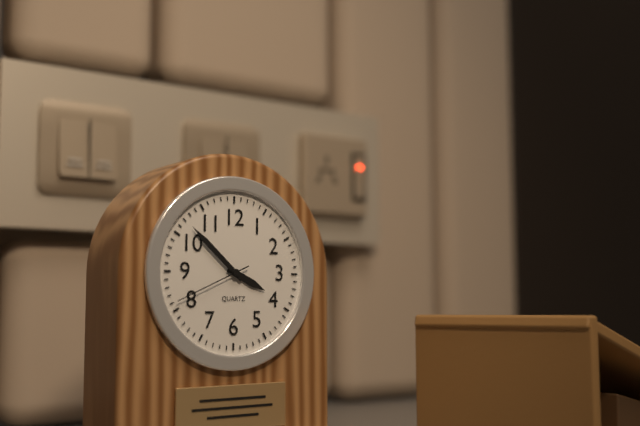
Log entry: 3h52m41s
